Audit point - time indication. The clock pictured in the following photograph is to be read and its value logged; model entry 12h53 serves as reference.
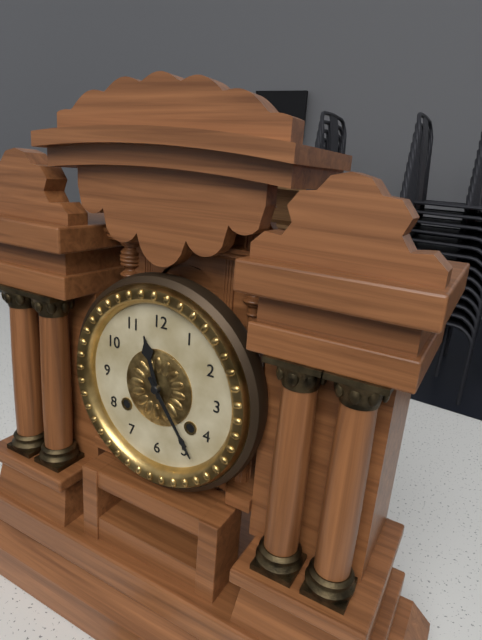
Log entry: 11h24
